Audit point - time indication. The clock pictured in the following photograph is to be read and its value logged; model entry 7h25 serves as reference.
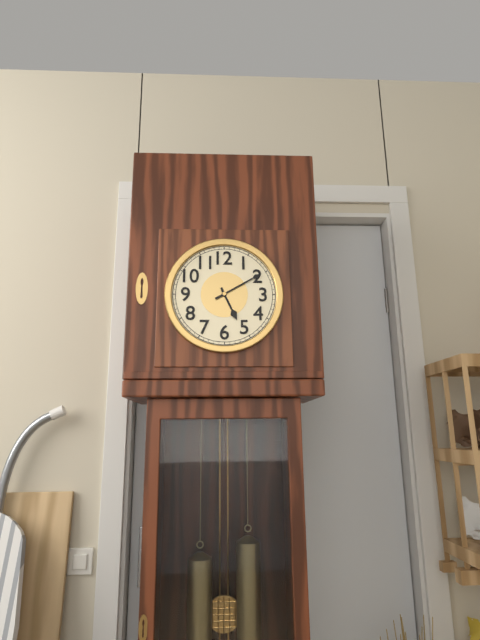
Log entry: 5h10
